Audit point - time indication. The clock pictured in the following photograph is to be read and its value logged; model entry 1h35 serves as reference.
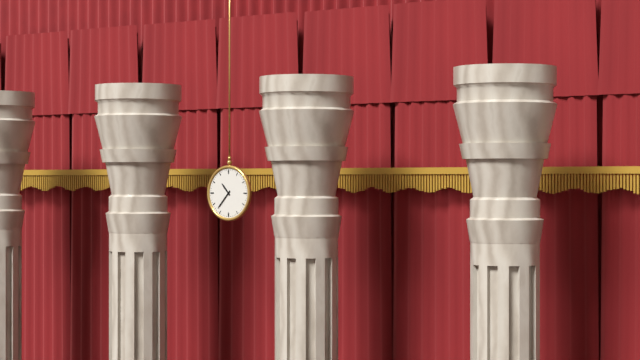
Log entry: 10h37
